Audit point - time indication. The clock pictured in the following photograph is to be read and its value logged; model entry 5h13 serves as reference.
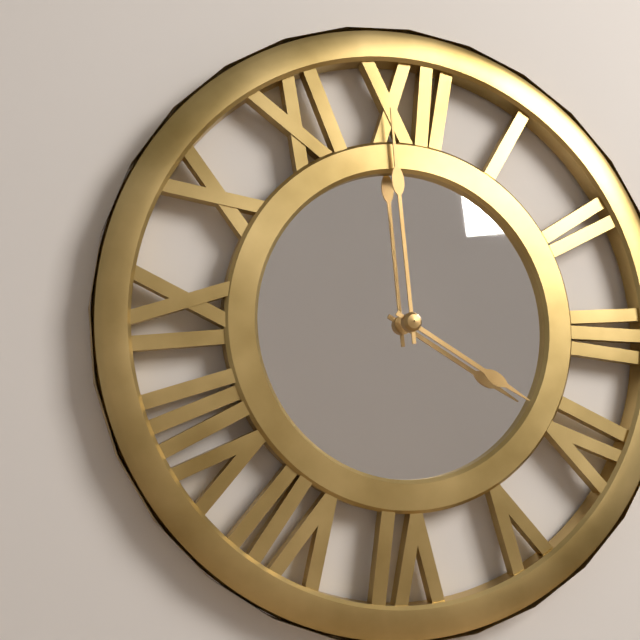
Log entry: 3h59
